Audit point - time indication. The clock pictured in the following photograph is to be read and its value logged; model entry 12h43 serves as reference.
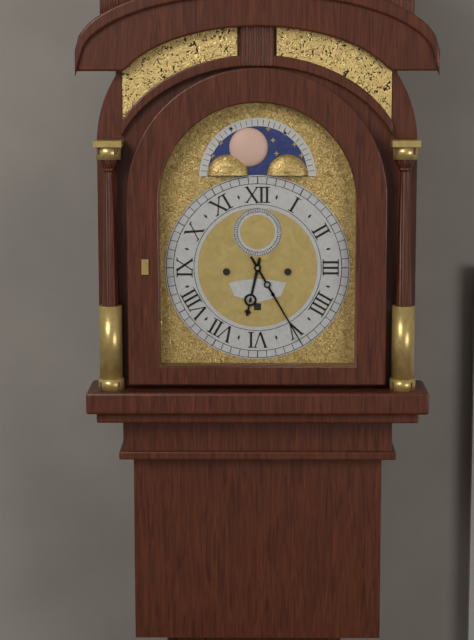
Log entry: 6h25
